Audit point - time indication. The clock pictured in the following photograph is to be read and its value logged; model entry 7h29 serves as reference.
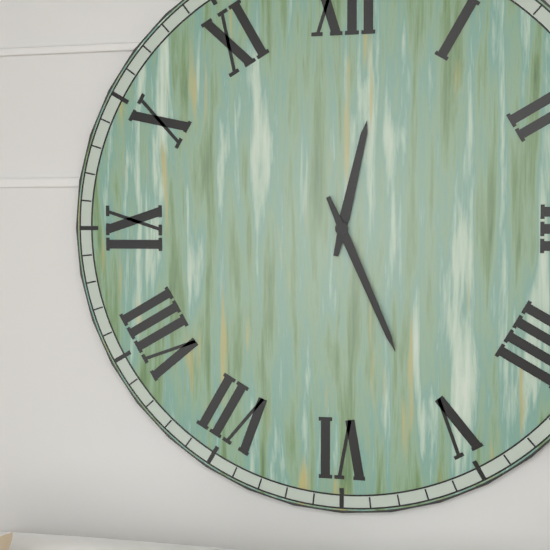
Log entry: 12h26
